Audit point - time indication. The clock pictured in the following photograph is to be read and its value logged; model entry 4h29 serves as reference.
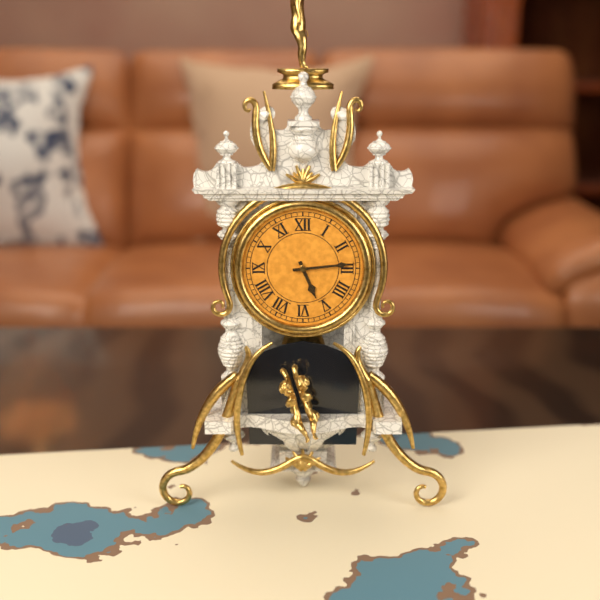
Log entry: 5h14
